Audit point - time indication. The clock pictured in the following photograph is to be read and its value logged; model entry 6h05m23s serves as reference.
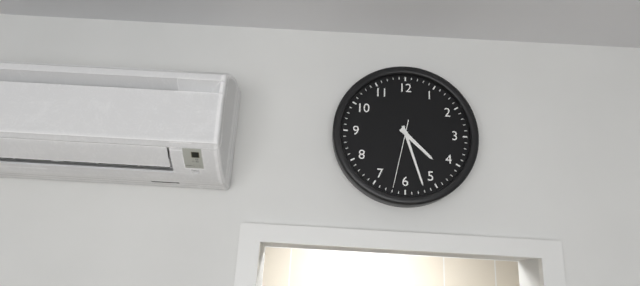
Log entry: 4h27m32s
